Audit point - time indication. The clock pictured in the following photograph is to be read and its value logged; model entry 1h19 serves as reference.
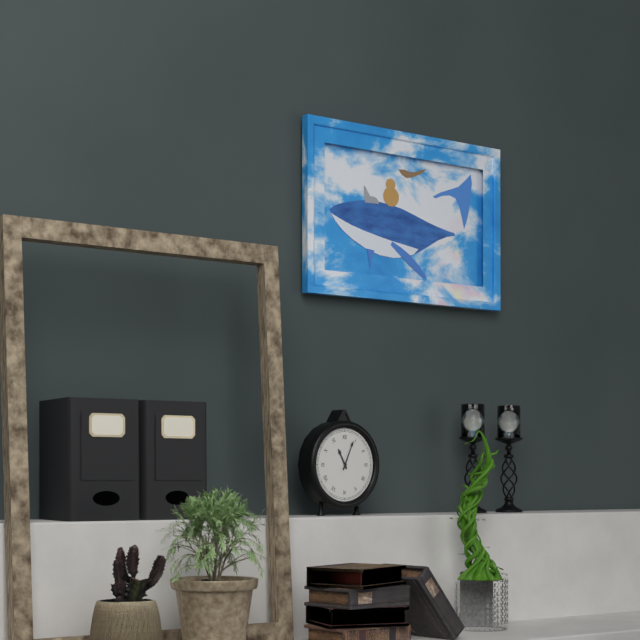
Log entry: 11h04
